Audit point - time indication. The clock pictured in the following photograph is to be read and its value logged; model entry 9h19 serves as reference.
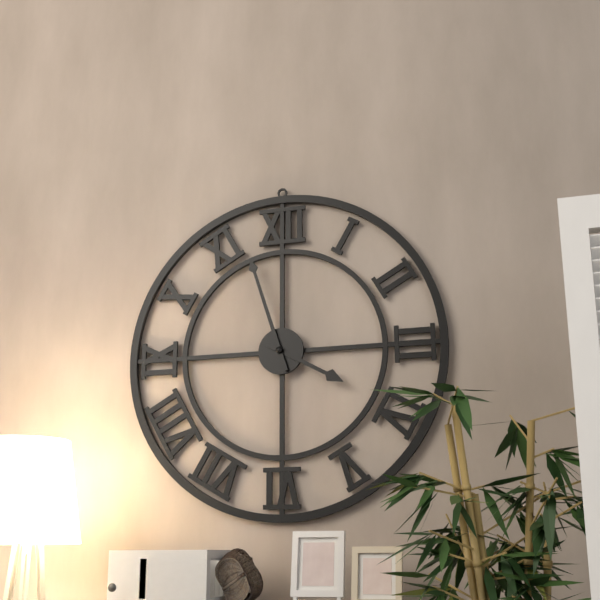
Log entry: 3h57
